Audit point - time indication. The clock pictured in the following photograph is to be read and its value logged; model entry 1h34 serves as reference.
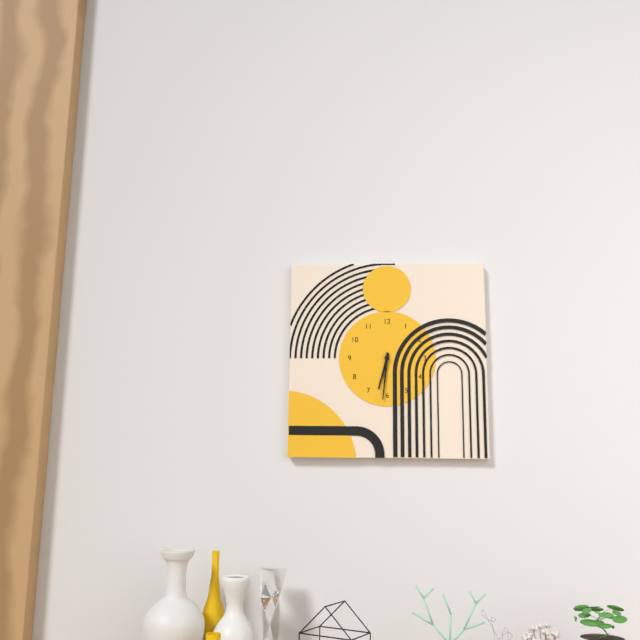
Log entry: 6h31
